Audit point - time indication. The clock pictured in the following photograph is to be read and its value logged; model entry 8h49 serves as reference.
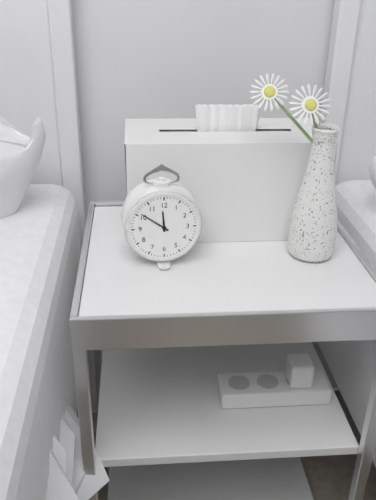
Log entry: 11h51
